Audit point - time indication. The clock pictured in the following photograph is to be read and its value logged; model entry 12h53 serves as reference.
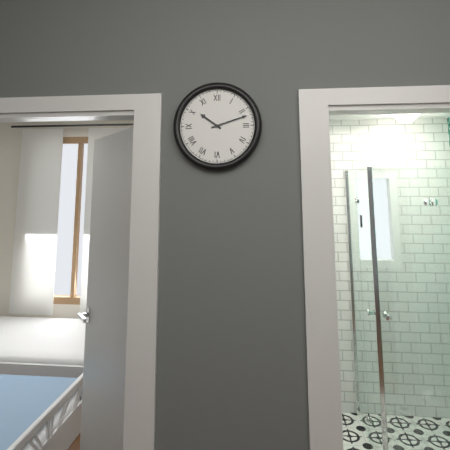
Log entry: 10h12
